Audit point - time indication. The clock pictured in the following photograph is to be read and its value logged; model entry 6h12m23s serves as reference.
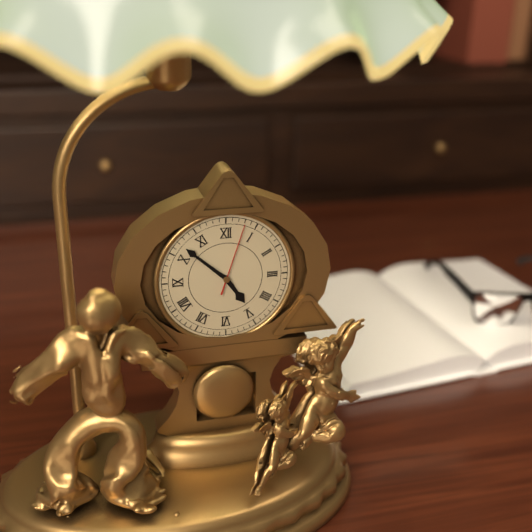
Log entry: 4h52m03s
